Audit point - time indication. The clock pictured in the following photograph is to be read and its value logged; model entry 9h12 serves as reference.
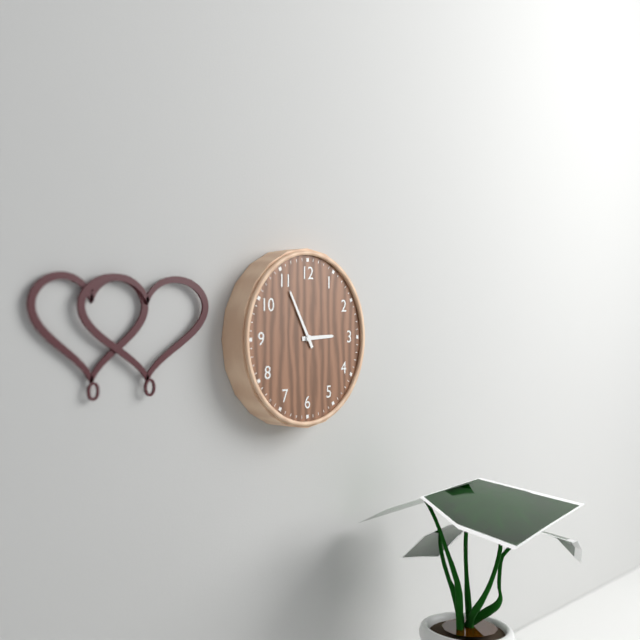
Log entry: 2h55
